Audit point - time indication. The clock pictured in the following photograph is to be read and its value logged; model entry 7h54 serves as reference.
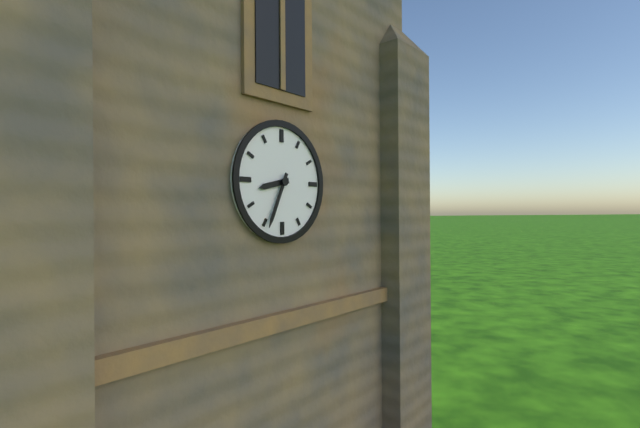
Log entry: 8h34
